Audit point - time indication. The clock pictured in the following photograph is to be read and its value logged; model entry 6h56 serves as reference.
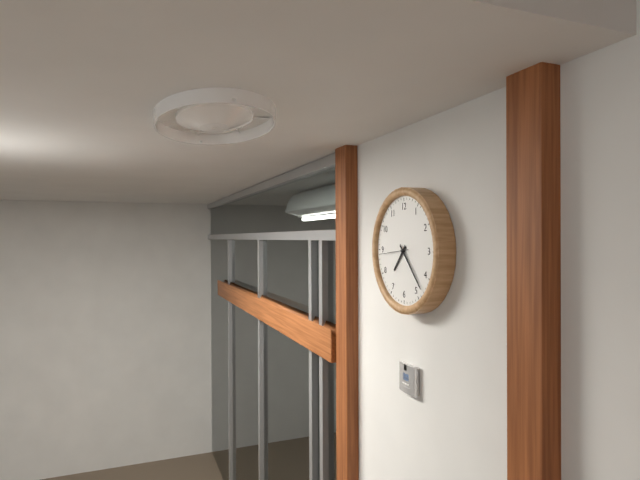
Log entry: 7h23
